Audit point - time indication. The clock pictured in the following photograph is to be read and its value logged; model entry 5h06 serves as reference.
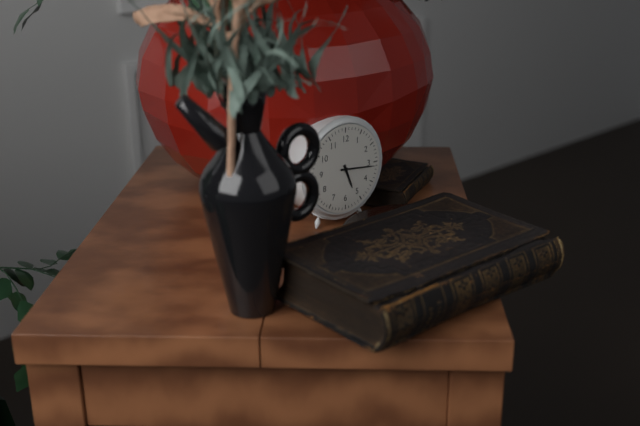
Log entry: 5h16
